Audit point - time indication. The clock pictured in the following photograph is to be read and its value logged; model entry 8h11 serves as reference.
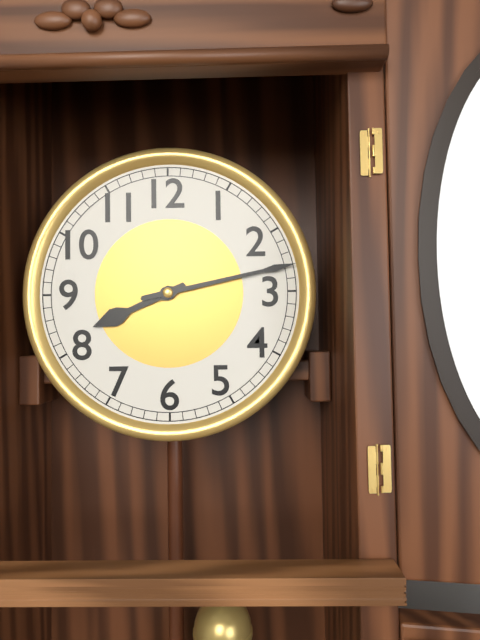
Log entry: 8h13
